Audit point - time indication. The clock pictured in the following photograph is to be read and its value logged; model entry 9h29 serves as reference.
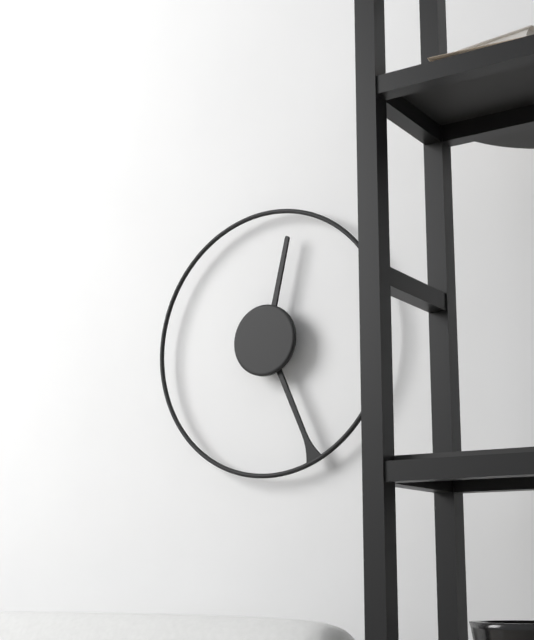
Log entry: 12h26
